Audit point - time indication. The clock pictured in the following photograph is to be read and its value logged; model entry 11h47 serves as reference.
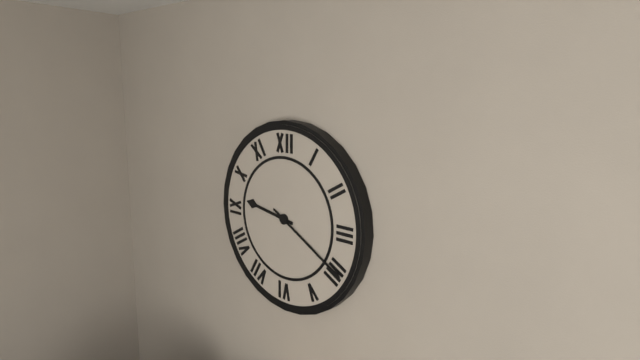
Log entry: 9h20
